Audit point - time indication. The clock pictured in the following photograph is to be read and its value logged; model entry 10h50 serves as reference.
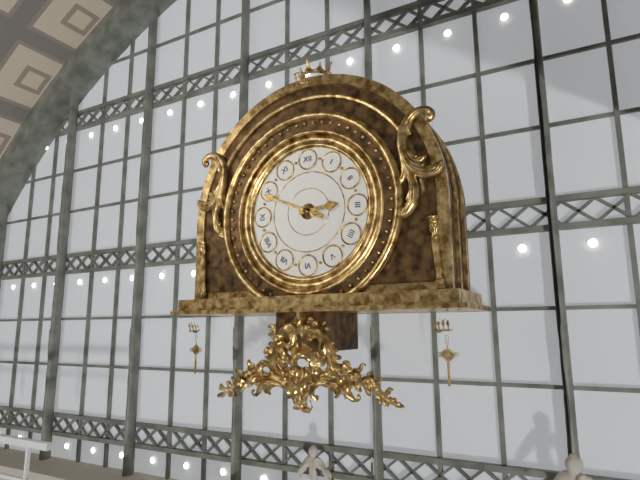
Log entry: 2h49
